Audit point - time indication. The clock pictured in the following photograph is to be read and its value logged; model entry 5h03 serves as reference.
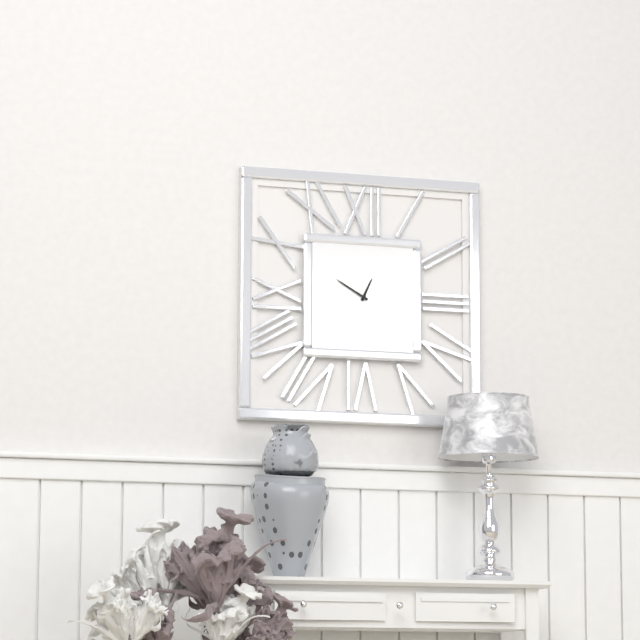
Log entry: 12h50
